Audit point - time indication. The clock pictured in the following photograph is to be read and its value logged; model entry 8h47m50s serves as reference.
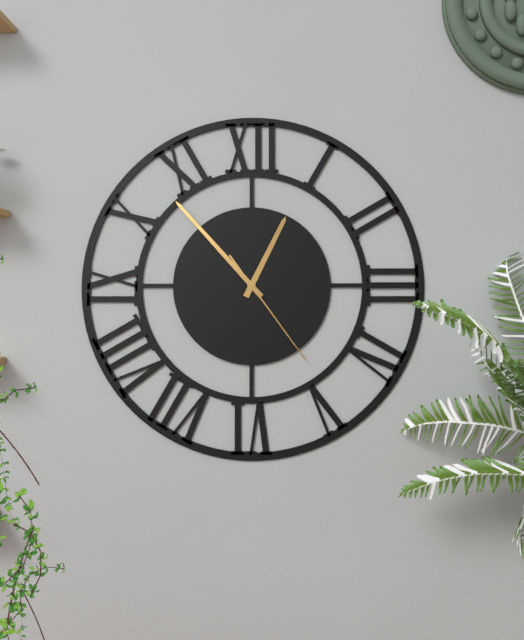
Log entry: 12h53m24s
